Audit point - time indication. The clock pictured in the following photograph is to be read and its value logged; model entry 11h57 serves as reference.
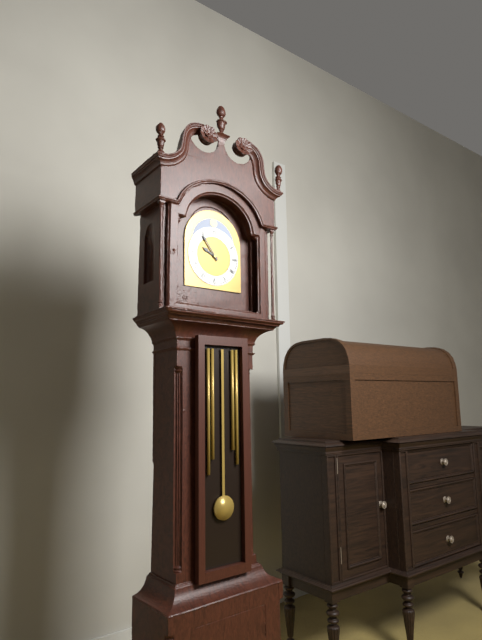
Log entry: 9h54
